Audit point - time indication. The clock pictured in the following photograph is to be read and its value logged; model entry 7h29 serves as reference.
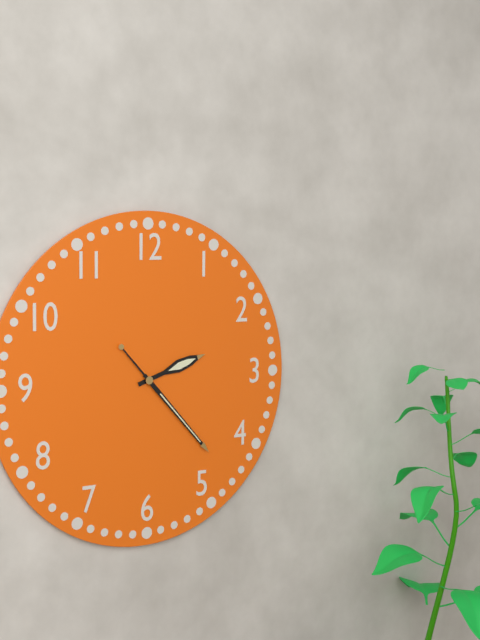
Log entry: 2h23
